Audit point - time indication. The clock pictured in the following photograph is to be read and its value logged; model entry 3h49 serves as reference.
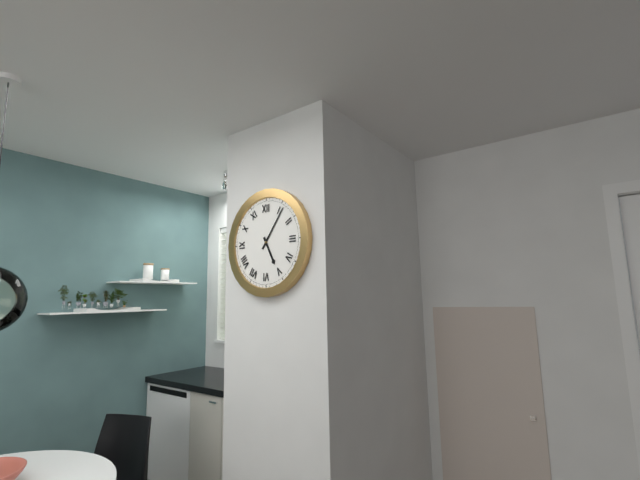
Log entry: 5h06
